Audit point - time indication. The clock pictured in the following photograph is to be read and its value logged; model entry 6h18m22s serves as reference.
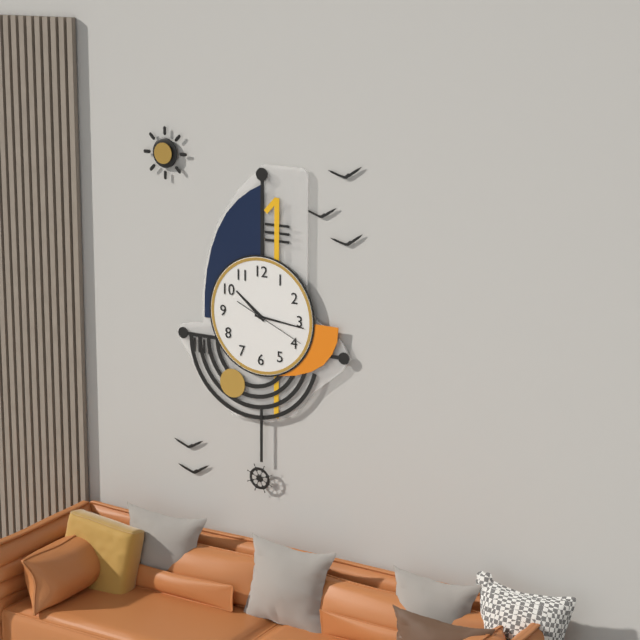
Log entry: 10h16m19s
